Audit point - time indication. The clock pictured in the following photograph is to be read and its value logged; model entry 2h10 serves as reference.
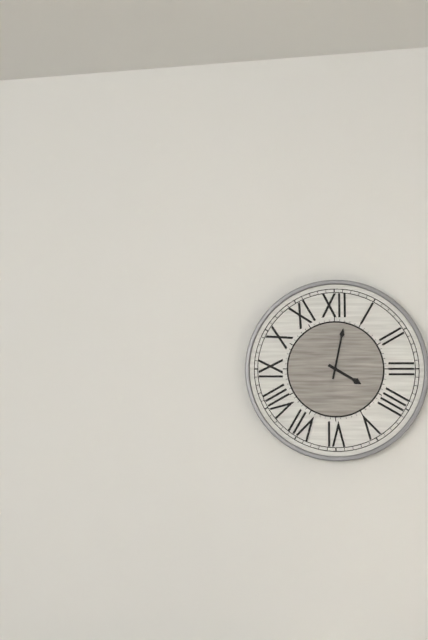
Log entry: 4h02
